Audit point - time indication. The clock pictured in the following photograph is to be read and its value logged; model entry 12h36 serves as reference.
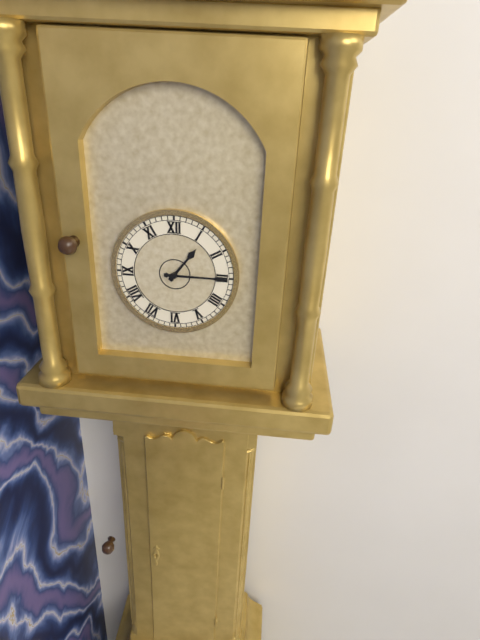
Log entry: 1h15
